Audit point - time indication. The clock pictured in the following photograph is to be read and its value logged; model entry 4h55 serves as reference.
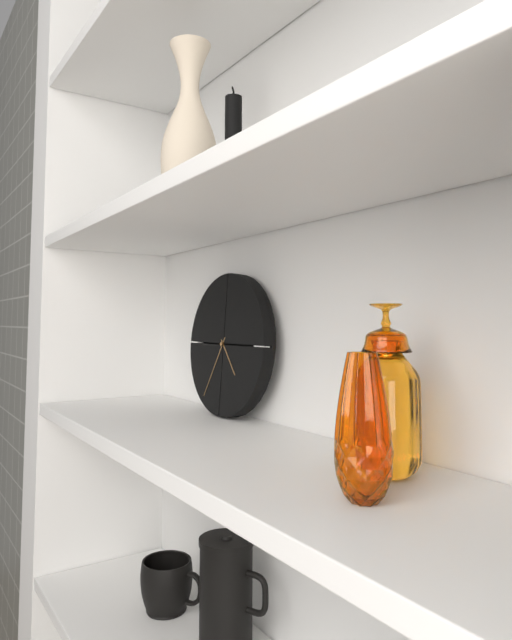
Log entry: 4h35
